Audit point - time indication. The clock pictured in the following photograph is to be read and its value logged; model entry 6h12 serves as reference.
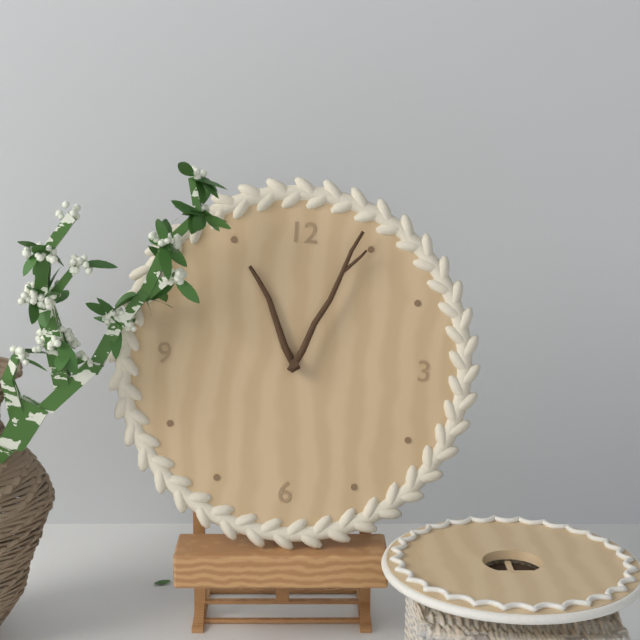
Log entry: 11h04
